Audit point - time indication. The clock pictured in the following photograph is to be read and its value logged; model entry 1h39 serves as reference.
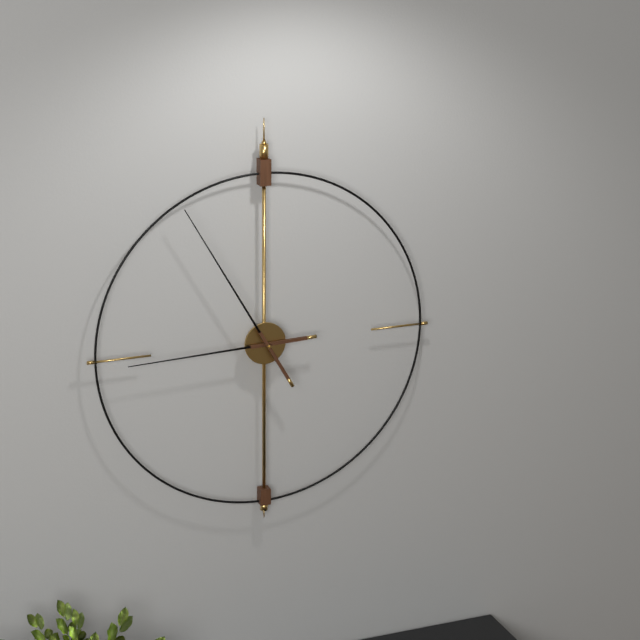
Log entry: 8h55
